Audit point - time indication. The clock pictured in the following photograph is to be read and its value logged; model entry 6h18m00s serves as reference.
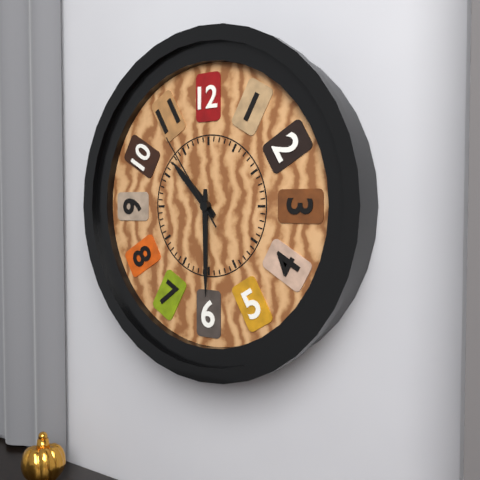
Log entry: 10h30m54s
